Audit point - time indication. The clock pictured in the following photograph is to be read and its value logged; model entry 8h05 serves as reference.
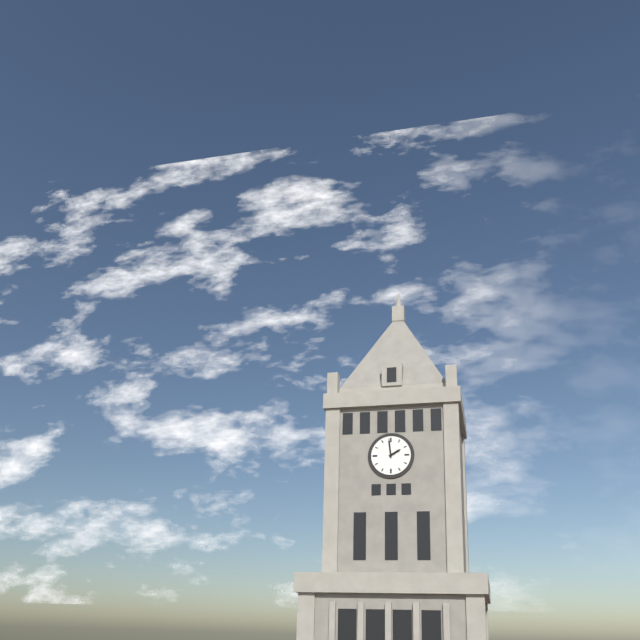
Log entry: 1h59
